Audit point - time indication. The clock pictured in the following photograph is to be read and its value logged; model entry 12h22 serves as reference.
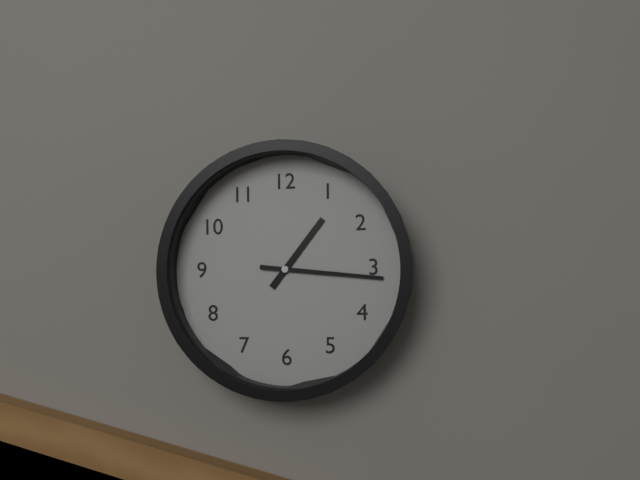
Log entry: 1h16
